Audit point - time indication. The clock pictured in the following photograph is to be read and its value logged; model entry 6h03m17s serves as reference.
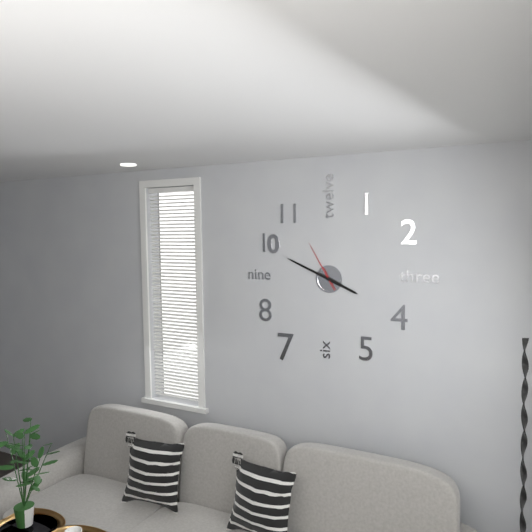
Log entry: 3h49m55s
